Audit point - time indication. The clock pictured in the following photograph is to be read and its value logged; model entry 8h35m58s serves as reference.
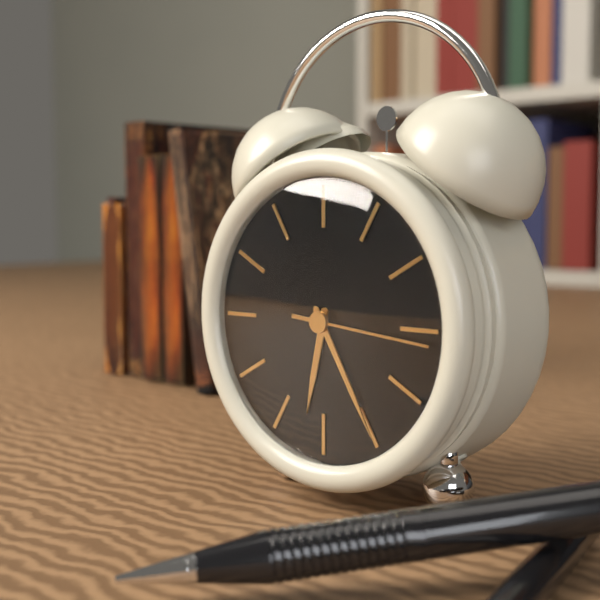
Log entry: 6h25m16s
